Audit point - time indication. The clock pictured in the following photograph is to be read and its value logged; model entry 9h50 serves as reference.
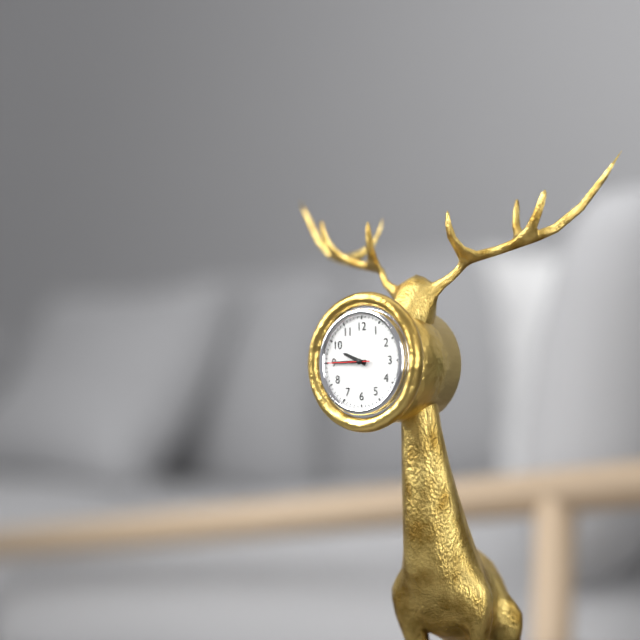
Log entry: 9h45
